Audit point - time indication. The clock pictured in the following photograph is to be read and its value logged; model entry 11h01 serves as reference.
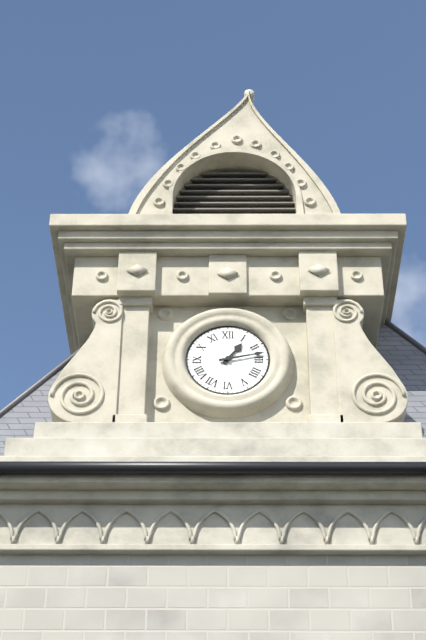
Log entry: 1h13
